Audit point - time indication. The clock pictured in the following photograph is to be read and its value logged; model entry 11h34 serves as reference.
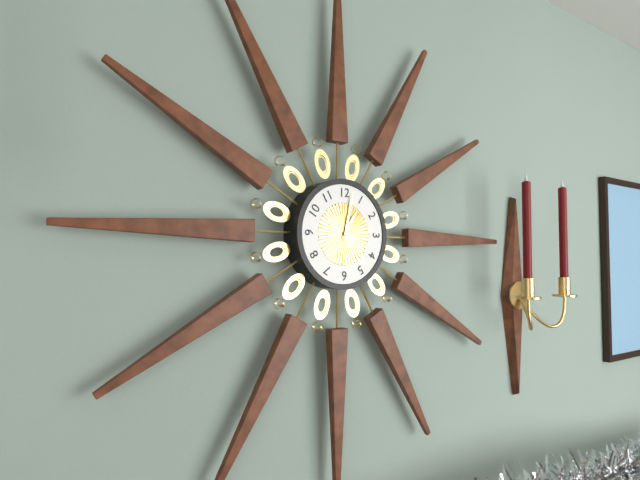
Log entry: 1h02
